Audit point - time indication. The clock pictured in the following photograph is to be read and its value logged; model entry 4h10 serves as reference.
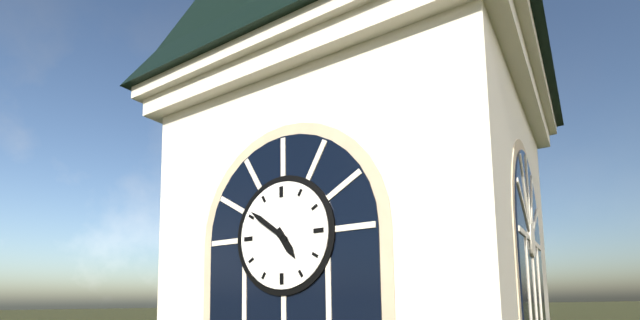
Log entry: 4h51
